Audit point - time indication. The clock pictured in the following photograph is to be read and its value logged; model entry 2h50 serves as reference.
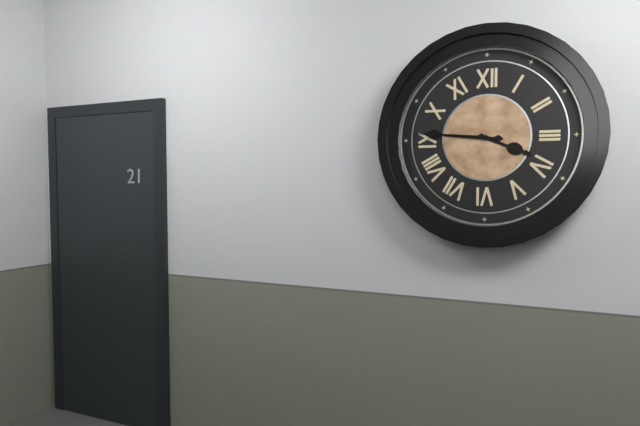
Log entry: 3h46
